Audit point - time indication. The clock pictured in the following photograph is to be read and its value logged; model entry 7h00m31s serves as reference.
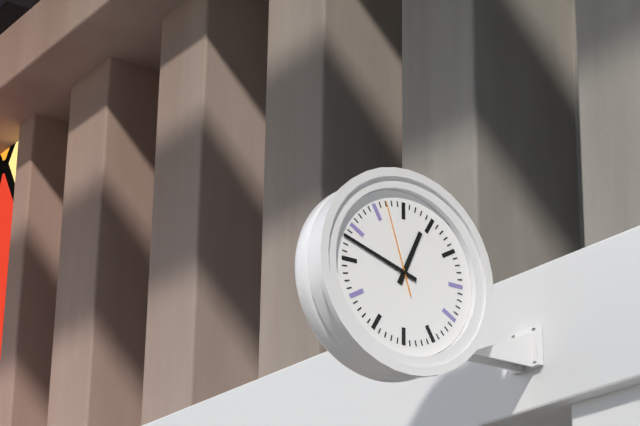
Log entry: 12h48m57s
